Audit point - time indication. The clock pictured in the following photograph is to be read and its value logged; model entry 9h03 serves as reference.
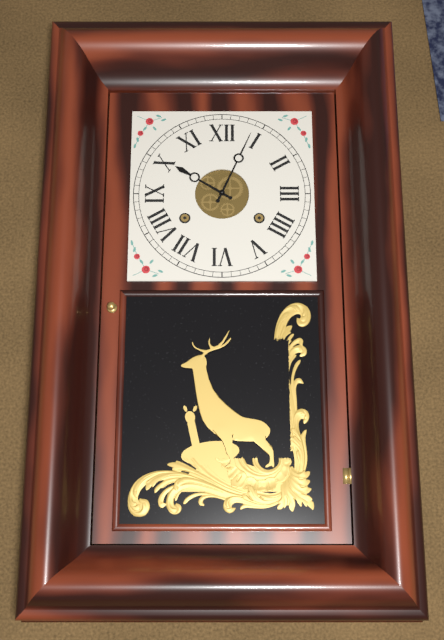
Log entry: 10h04
